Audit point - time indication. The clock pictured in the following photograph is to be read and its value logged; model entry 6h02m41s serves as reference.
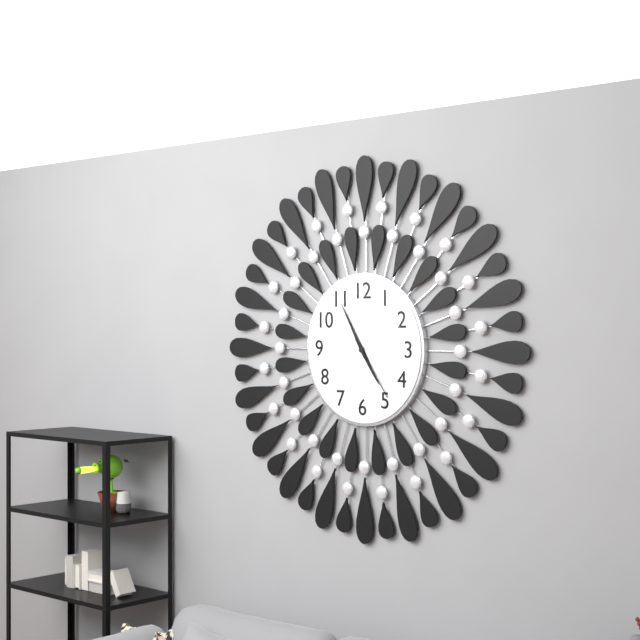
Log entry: 4h55m24s
